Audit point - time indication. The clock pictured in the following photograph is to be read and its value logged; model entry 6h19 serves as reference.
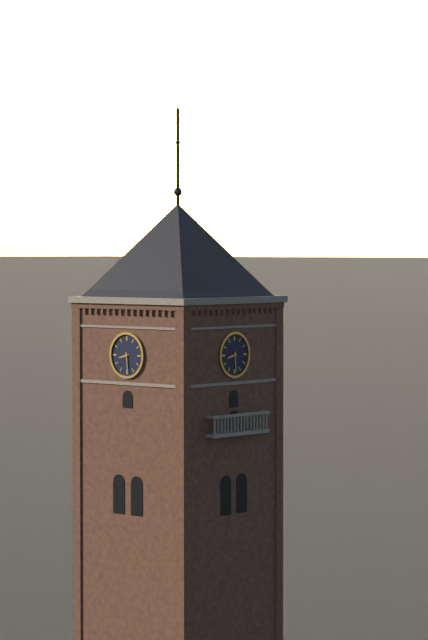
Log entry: 8h29
